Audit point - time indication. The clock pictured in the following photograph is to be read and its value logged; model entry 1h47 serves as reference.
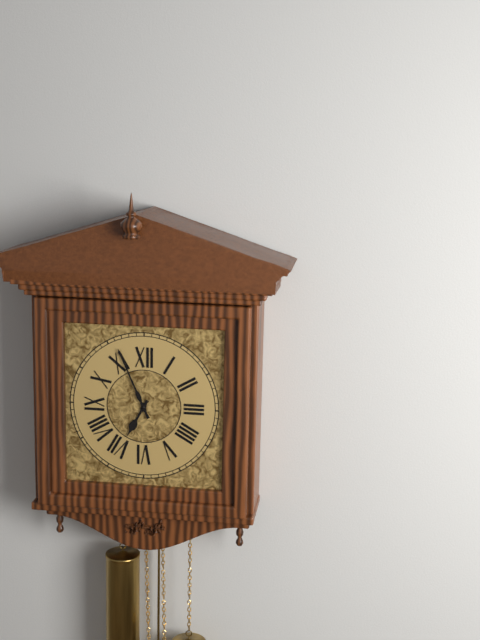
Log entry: 6h56
